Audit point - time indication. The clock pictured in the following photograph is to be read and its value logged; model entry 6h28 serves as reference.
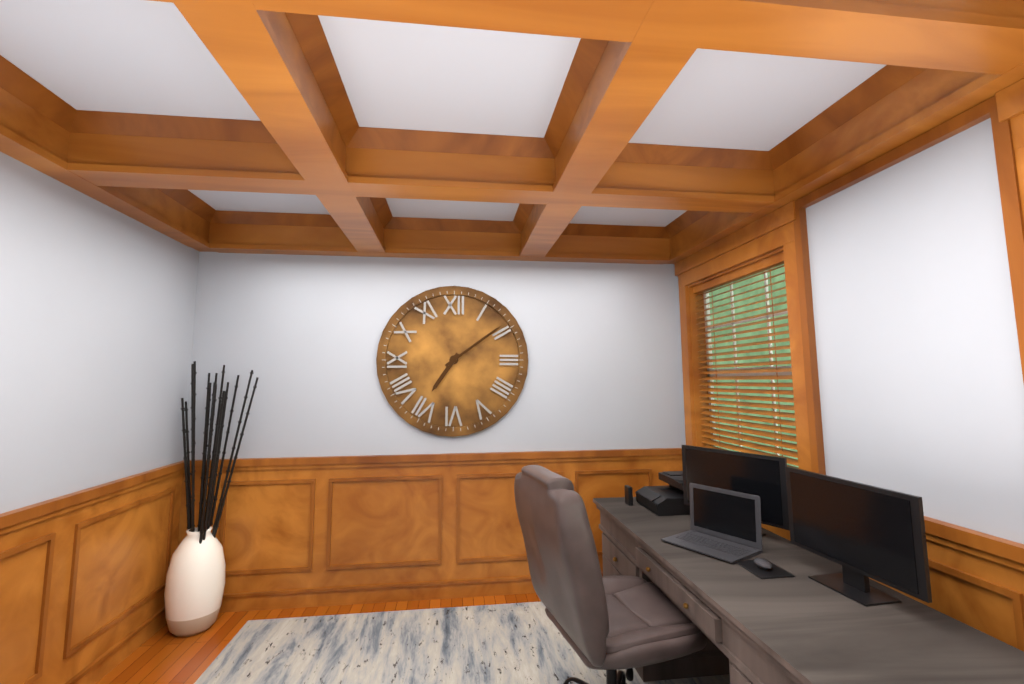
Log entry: 7h09
